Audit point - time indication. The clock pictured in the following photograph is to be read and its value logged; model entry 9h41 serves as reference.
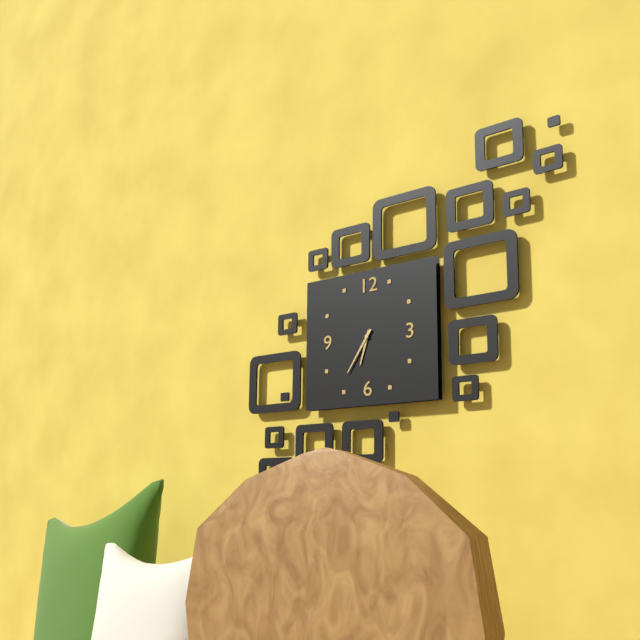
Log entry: 6h36
